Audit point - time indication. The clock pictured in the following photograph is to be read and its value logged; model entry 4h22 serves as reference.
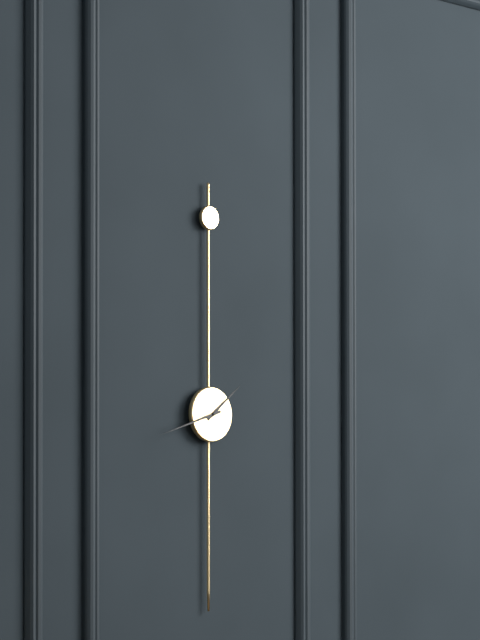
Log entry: 1h42
